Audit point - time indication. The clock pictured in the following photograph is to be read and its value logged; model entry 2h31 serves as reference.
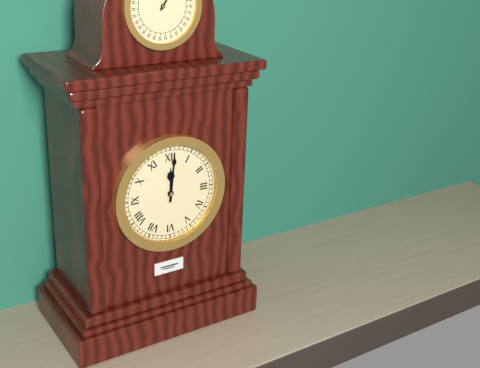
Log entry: 12h01
